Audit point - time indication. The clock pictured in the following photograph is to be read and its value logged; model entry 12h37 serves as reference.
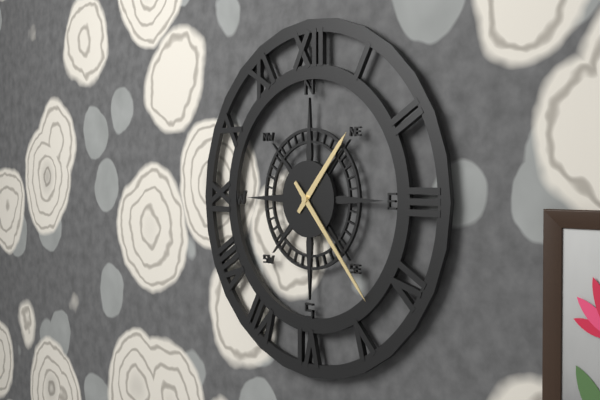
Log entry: 1h23
